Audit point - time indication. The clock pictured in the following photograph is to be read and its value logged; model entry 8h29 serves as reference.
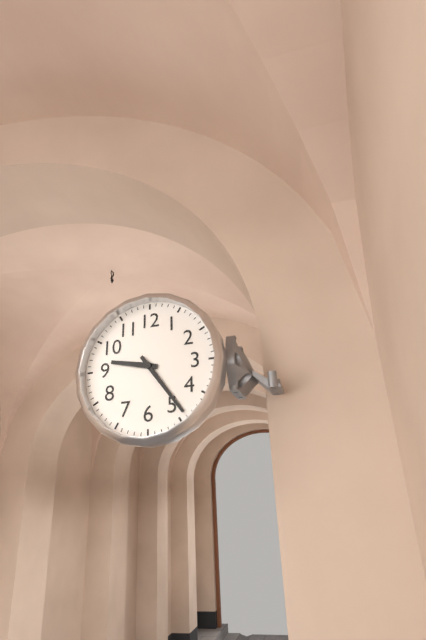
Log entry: 9h24
